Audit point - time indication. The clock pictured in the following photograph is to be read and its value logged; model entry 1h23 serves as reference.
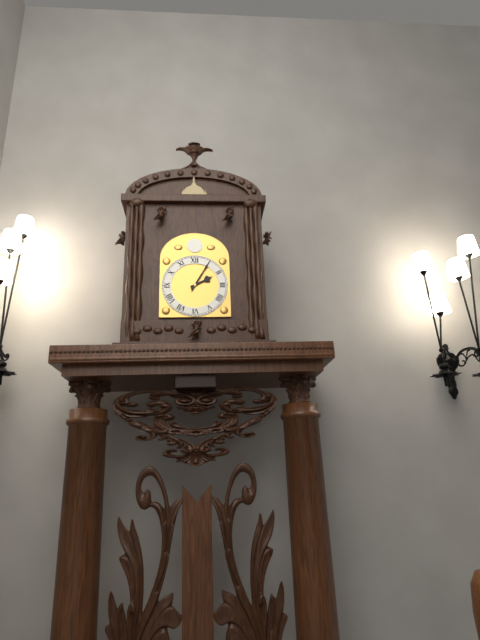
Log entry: 2h05
